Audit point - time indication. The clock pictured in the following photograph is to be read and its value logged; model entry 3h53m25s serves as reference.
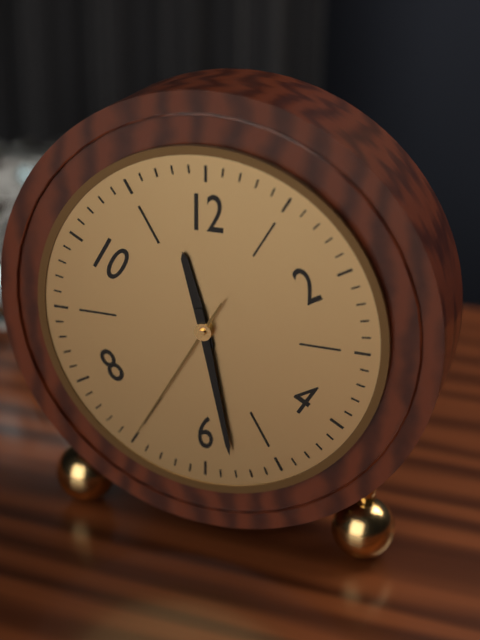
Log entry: 11h28m35s
